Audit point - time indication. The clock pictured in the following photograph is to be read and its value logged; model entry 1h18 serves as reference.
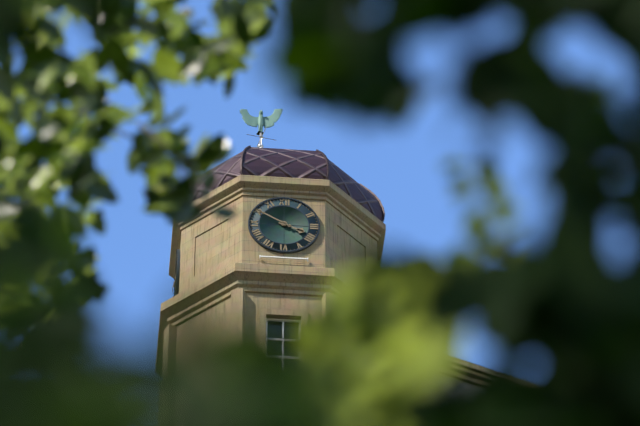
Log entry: 3h50
